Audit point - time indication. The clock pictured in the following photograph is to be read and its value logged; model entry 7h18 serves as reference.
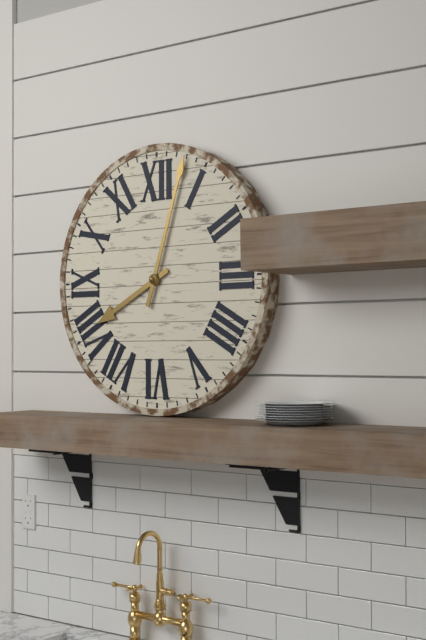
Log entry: 8h03
